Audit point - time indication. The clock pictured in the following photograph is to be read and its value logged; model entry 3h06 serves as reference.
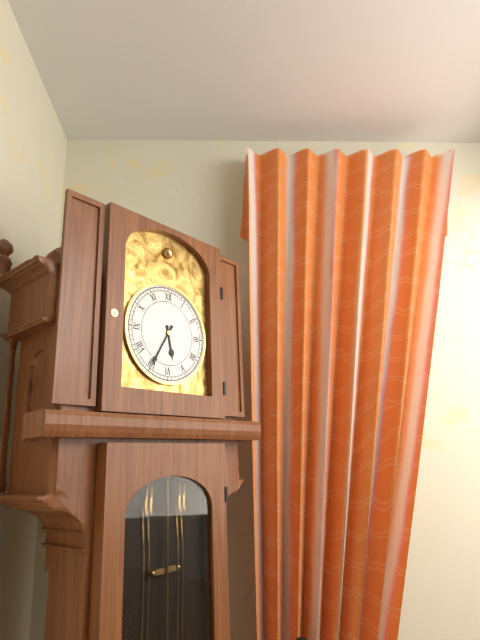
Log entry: 5h35
